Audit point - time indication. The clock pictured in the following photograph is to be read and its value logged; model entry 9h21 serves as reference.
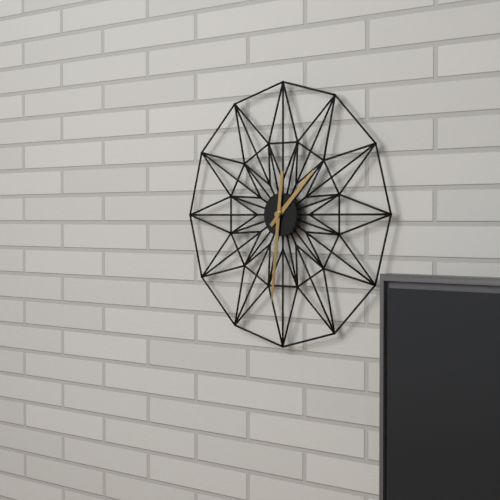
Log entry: 1h31
